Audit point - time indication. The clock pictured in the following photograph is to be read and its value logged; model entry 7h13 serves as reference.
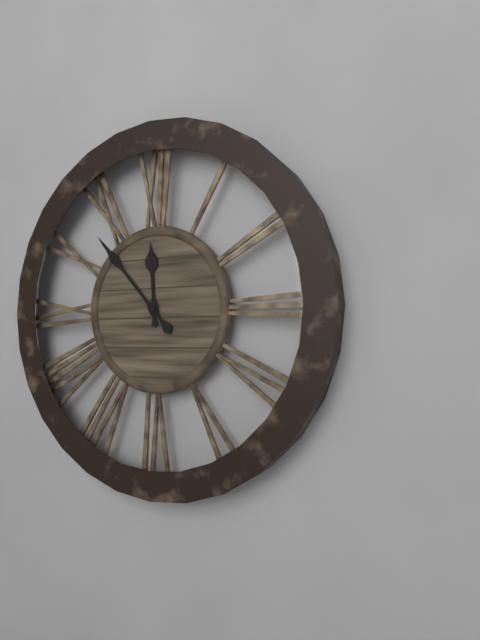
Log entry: 11h53
